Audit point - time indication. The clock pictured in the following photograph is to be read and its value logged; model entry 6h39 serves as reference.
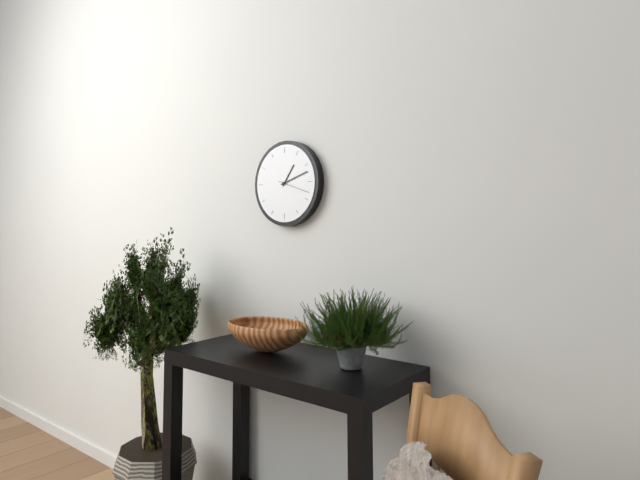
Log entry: 1h12
